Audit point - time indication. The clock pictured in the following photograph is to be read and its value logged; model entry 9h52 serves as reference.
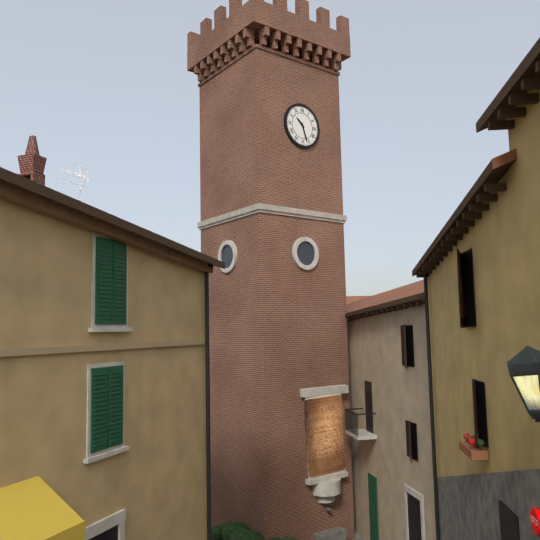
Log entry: 10h27
